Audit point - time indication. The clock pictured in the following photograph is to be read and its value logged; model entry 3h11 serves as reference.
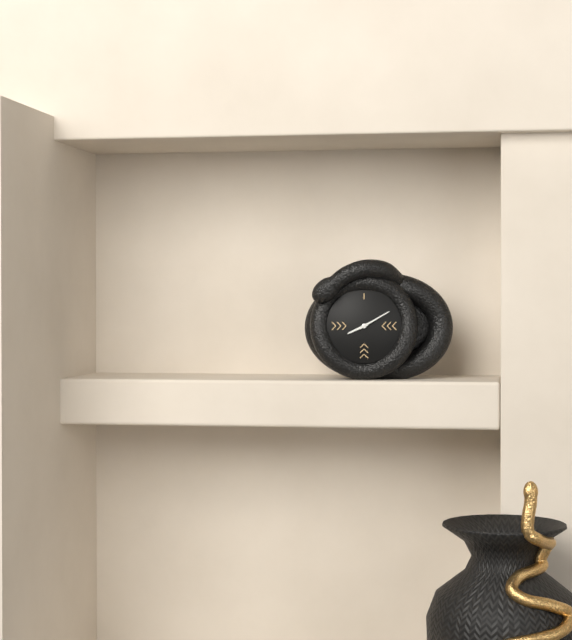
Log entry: 8h10
